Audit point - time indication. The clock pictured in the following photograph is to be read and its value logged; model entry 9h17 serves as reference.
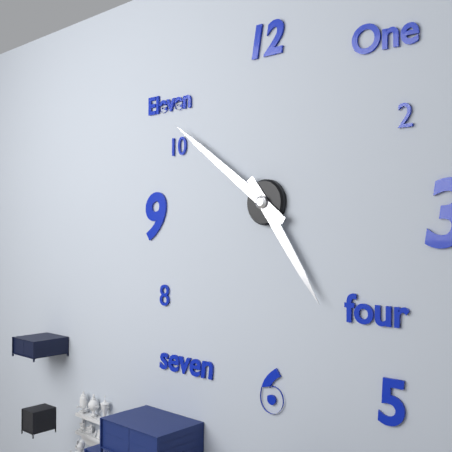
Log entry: 4h51
